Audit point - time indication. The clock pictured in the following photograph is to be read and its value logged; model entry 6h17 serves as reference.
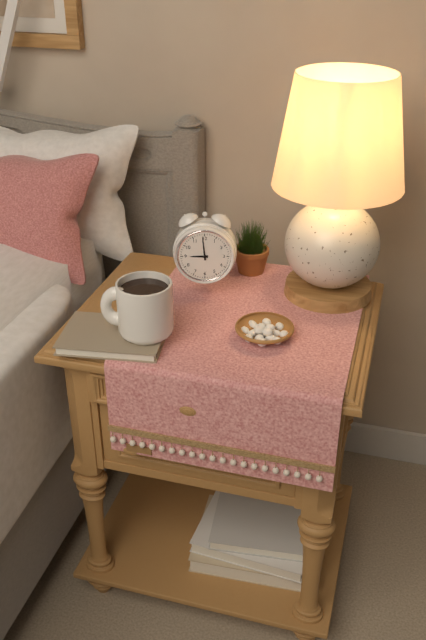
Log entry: 8h59
